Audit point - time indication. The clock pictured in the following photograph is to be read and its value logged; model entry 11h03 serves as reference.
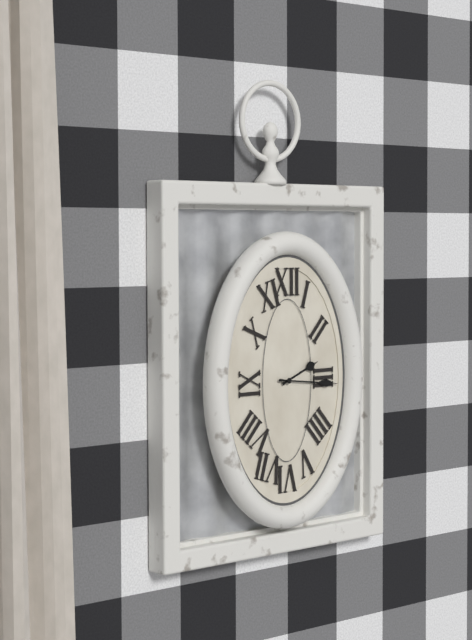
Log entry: 2h16
